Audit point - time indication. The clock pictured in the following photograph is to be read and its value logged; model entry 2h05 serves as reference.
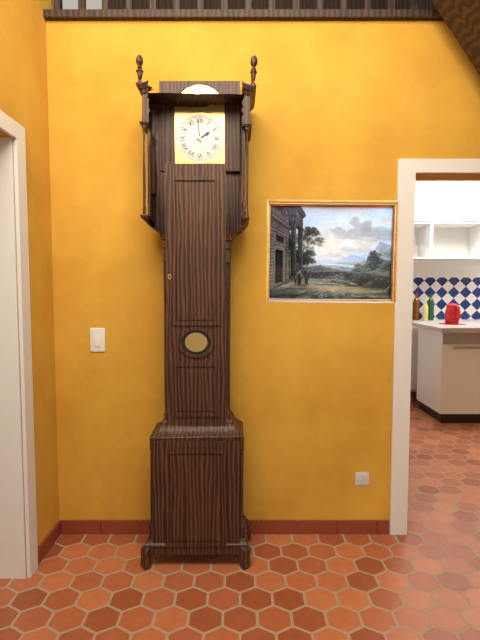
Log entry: 1h59
